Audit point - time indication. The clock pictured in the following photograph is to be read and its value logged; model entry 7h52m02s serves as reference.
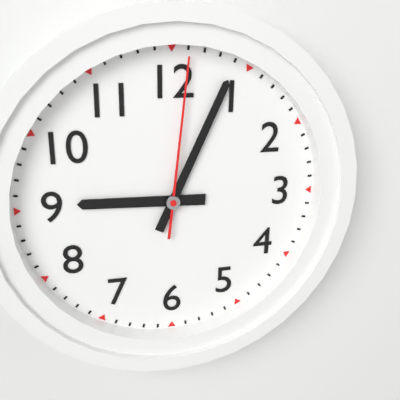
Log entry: 9h04m01s
